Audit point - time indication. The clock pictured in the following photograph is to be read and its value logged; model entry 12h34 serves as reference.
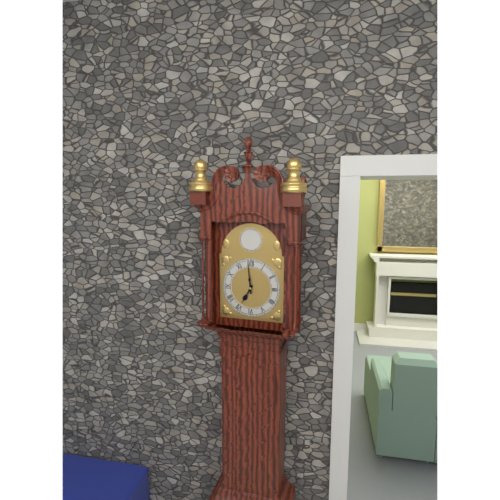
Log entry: 6h59
